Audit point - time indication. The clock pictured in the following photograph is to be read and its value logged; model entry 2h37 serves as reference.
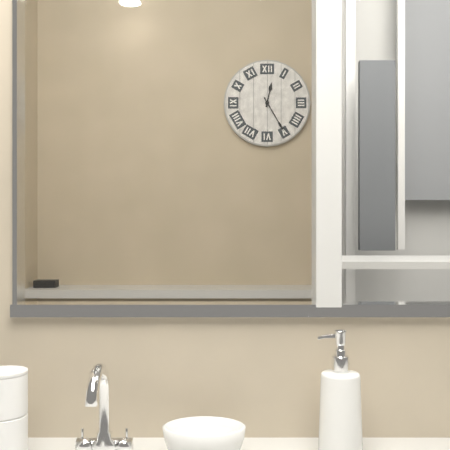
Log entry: 12h25
